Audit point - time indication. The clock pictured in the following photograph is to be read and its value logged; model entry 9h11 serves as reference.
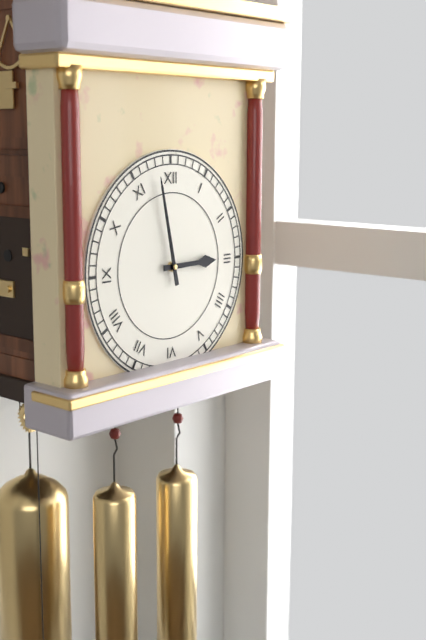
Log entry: 2h58
